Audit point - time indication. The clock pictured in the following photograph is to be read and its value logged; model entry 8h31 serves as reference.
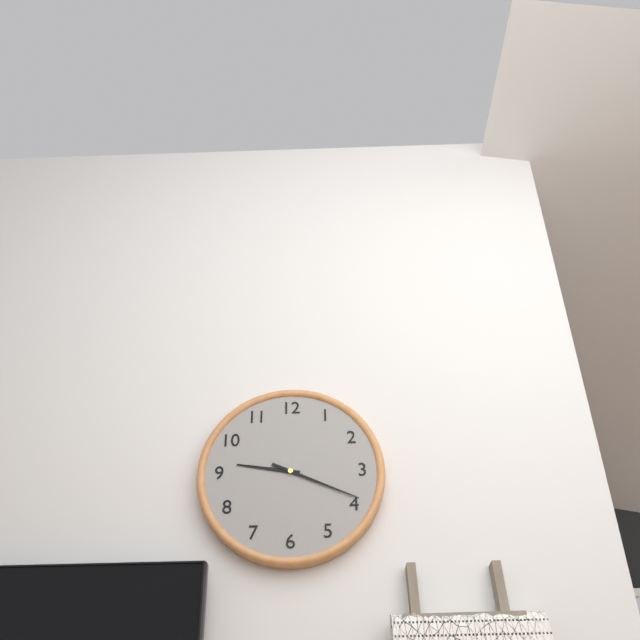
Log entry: 9h19
